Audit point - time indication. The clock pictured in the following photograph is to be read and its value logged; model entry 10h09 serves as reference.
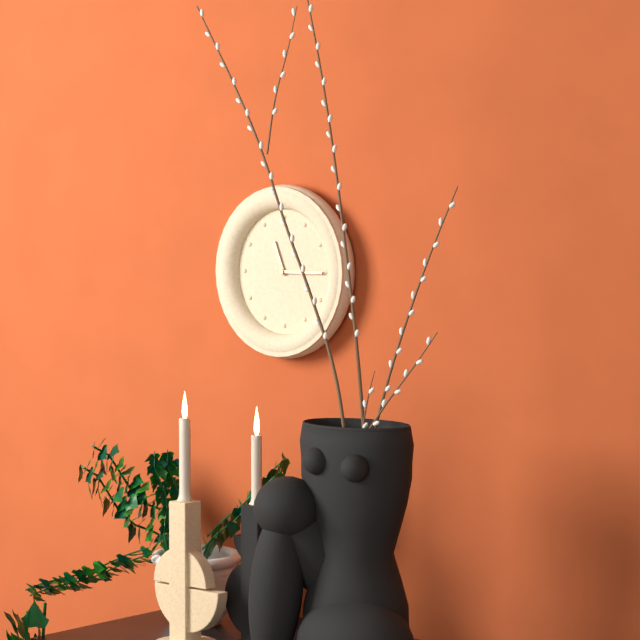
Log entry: 11h15
